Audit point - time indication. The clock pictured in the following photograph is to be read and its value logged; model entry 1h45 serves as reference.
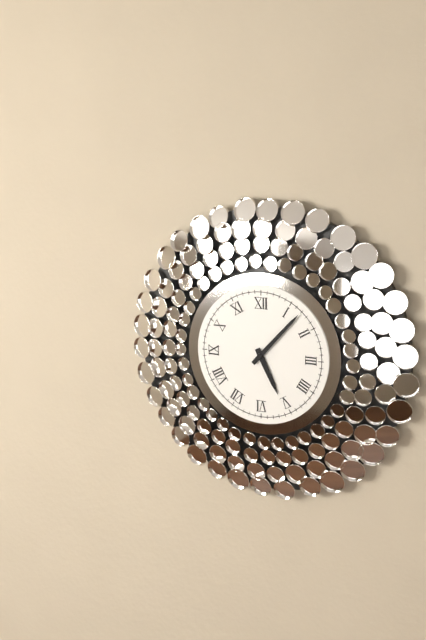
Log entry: 5h07
